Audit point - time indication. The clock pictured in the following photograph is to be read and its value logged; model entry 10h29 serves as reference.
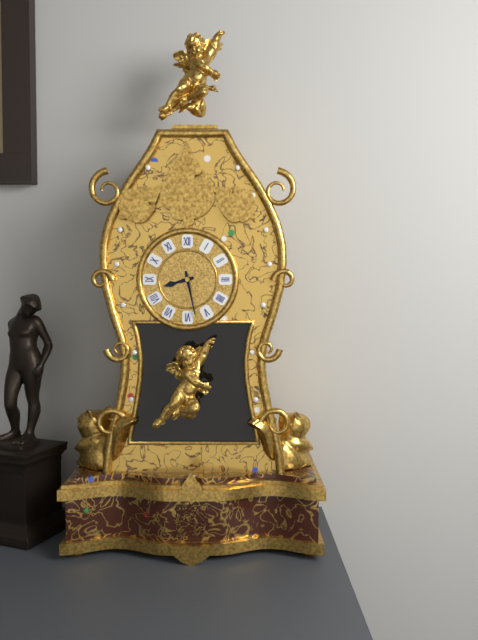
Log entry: 8h28
